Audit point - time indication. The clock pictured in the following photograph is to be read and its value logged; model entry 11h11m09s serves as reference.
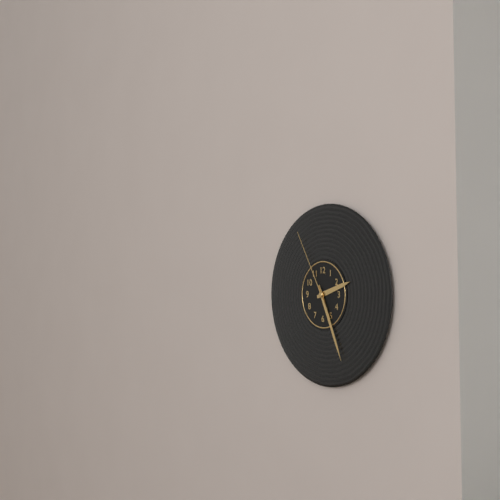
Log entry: 2h26m55s
